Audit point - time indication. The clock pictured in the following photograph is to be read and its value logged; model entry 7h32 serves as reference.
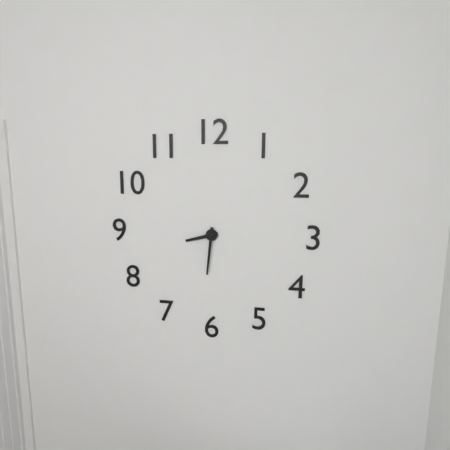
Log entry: 8h31
